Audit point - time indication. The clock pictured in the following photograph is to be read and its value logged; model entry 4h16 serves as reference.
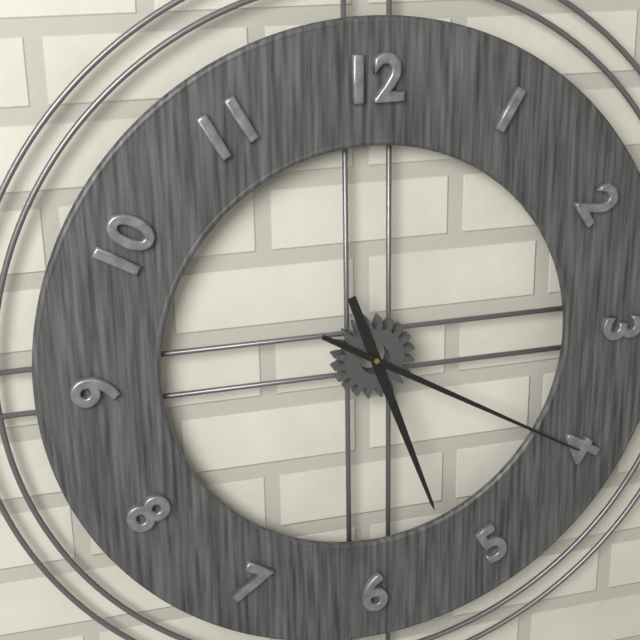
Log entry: 5h20
